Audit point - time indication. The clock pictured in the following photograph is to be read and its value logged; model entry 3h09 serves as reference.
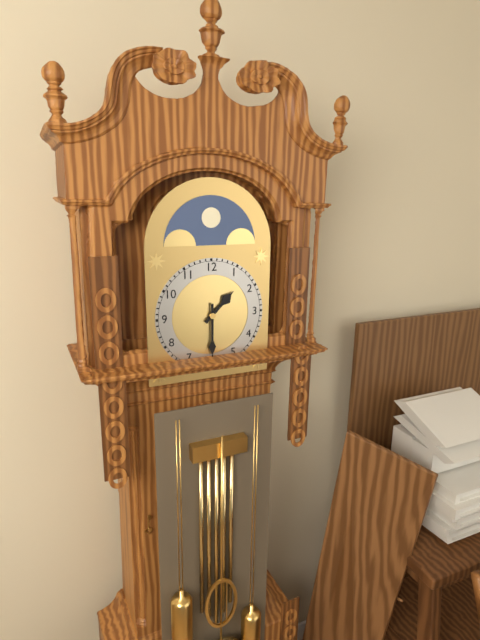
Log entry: 1h30
